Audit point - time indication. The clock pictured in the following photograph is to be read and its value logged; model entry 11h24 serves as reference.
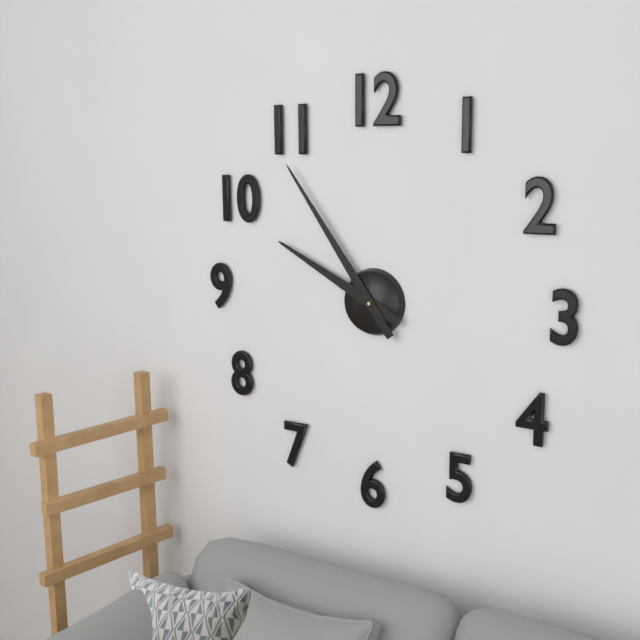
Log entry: 9h54
